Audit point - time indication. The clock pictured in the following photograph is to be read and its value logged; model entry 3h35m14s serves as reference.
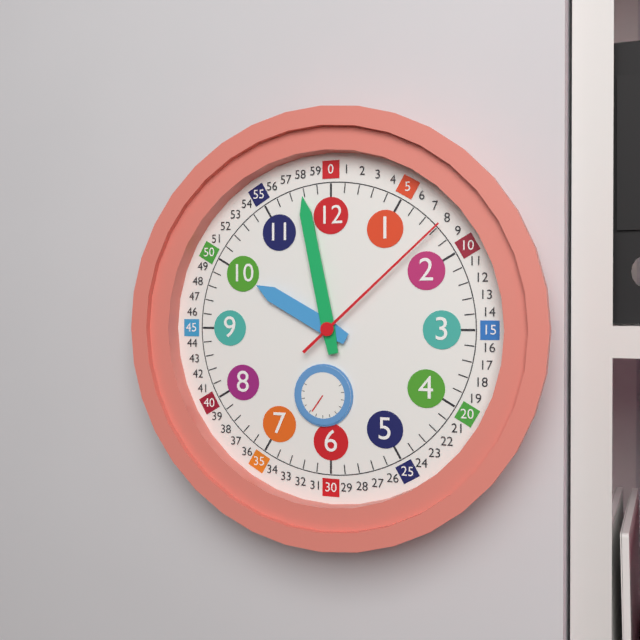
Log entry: 9h58m08s
